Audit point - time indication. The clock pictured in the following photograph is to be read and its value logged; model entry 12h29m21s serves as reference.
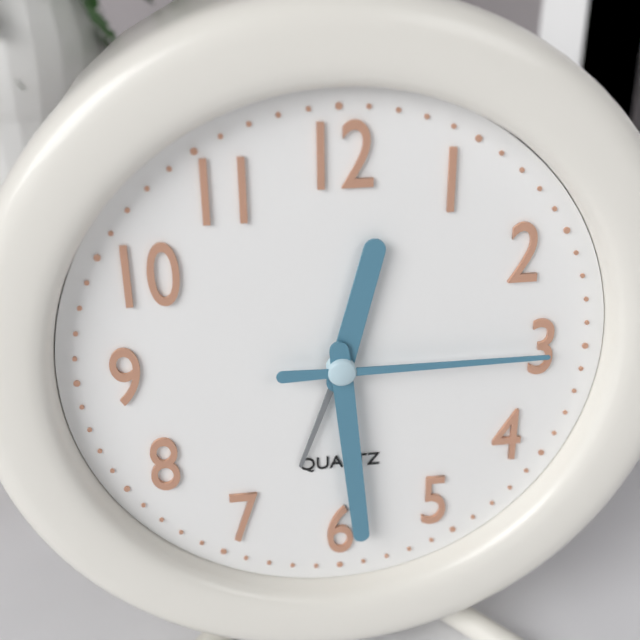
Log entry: 12h29m15s
